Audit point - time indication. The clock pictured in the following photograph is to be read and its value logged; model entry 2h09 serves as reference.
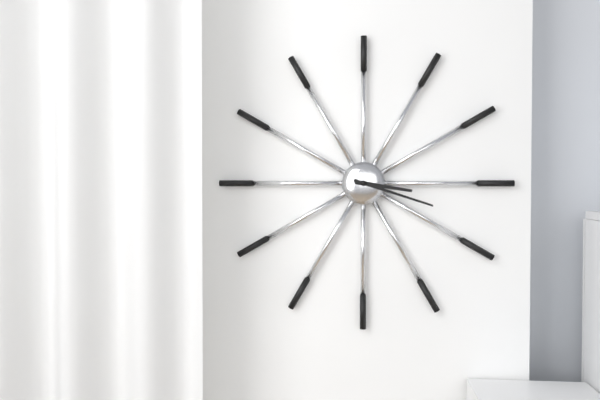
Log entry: 3h18
